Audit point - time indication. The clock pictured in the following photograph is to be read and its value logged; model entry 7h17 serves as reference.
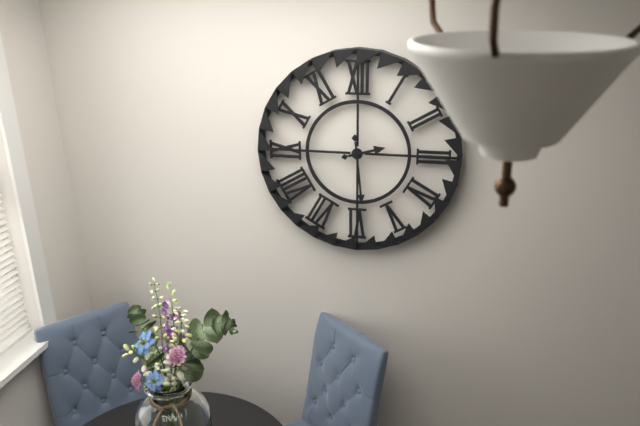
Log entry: 2h29
